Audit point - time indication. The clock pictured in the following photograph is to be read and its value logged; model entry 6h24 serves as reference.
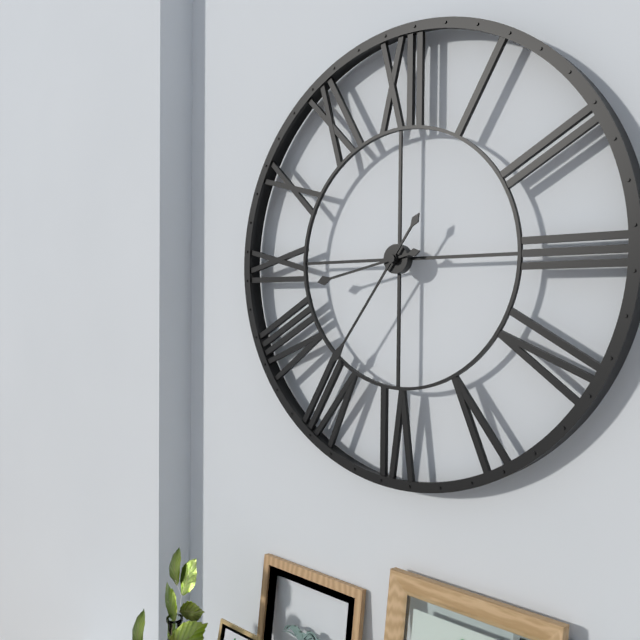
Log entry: 8h36
